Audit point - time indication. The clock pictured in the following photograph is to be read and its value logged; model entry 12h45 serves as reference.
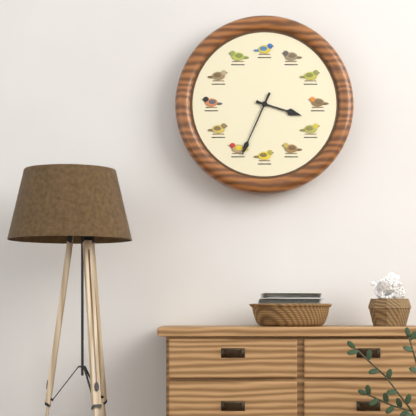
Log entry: 3h34
